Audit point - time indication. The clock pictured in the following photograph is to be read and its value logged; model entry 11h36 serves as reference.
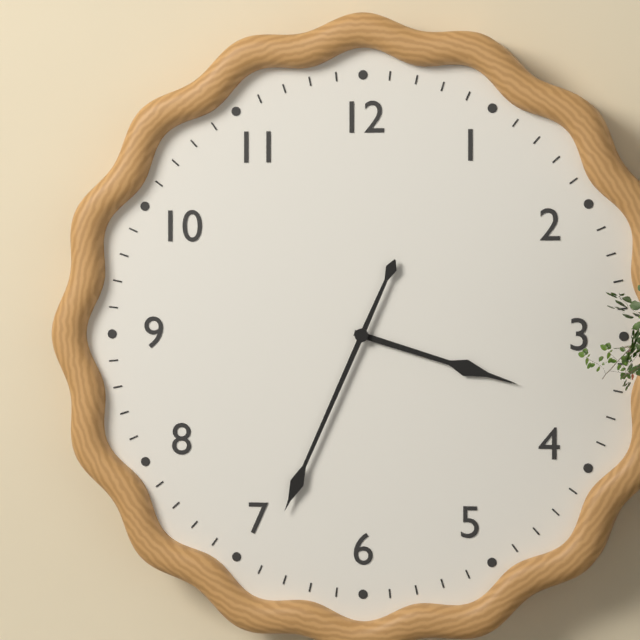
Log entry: 3h34
